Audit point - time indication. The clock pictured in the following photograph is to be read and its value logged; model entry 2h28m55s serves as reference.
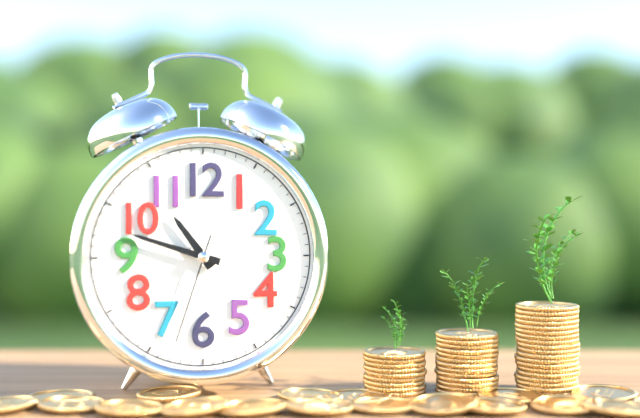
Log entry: 10h48m33s
